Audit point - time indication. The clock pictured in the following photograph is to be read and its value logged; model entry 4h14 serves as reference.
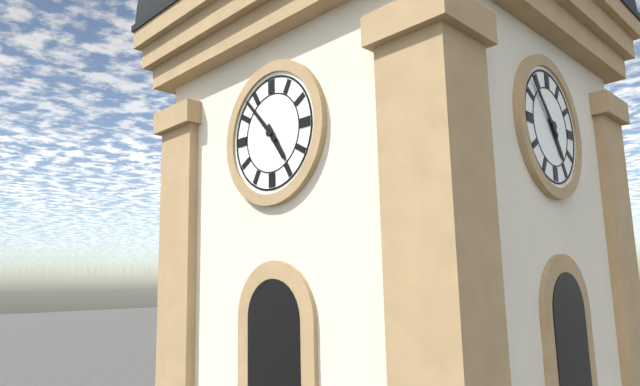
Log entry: 4h53
